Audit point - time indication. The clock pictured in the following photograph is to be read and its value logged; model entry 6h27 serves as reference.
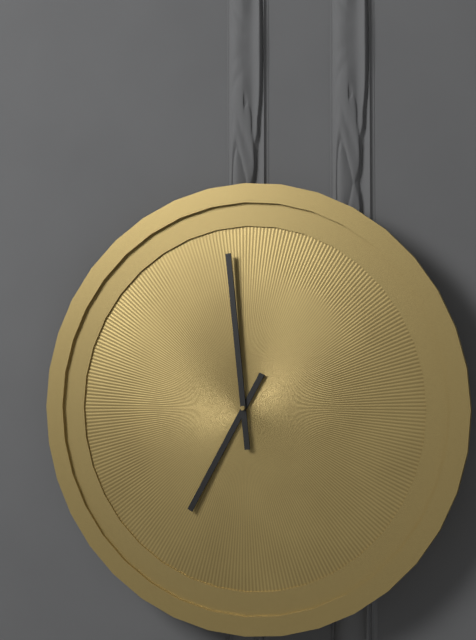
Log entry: 6h59
